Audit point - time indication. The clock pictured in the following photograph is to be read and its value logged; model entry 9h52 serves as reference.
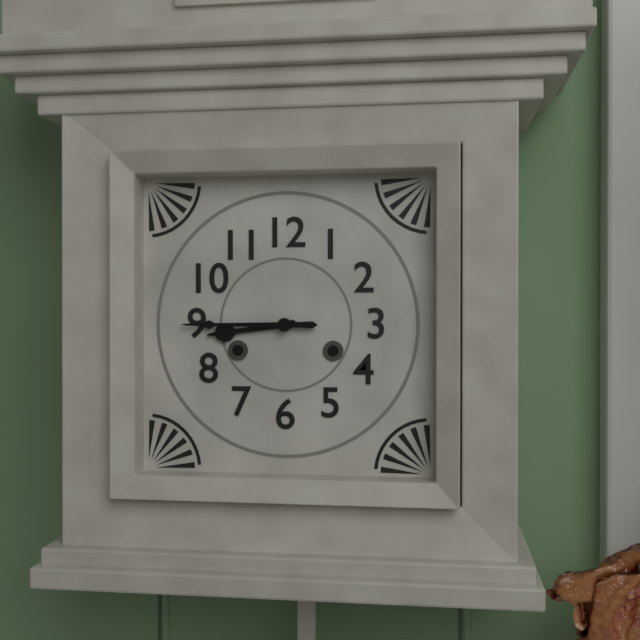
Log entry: 8h45
